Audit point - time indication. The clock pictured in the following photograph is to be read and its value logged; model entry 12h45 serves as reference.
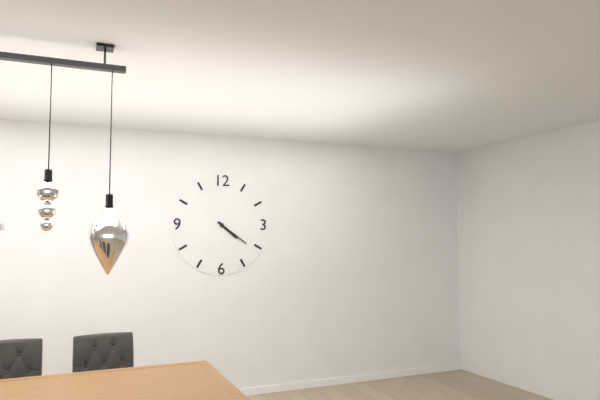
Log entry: 4h21
